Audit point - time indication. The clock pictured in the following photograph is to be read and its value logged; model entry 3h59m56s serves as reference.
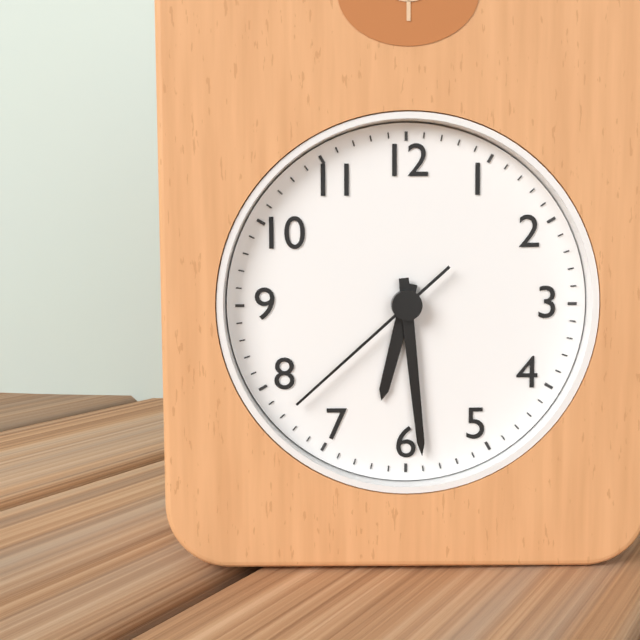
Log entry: 6h29m38s
